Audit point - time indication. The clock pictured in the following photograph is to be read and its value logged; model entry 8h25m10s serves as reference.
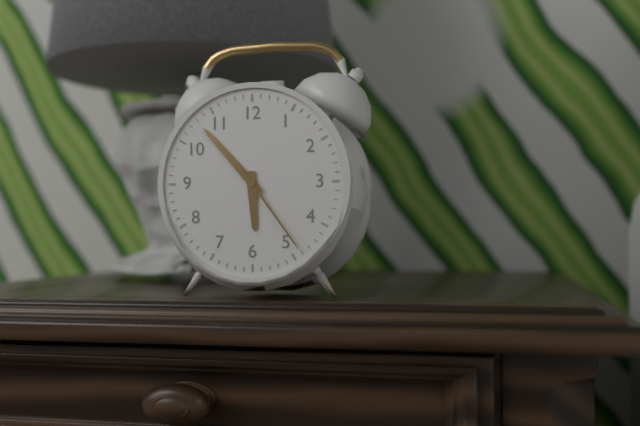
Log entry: 5h53m24s
